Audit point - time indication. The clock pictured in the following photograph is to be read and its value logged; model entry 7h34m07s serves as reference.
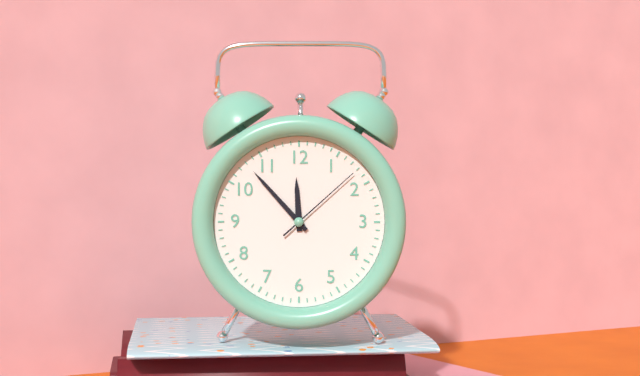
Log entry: 11h53m08s
